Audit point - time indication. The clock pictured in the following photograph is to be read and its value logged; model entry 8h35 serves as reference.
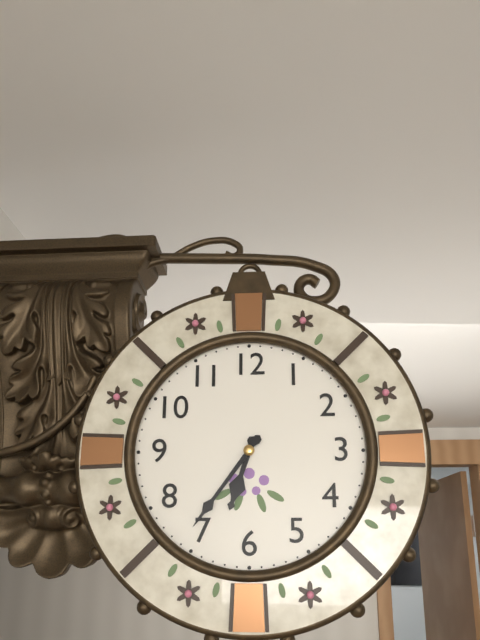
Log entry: 6h36
